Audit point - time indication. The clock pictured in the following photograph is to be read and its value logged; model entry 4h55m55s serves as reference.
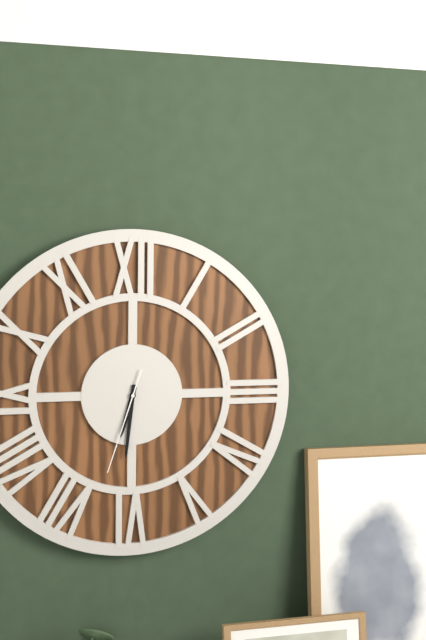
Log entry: 6h31m33s
